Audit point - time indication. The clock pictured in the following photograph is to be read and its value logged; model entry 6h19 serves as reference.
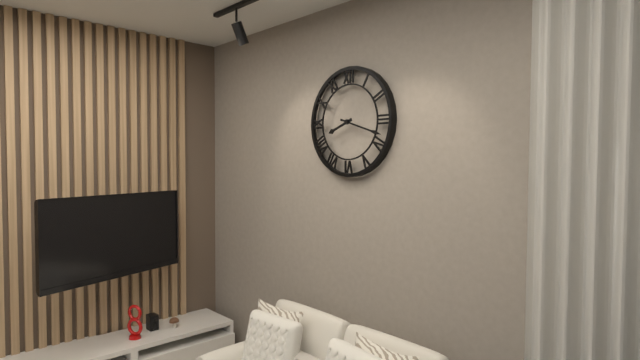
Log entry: 8h18
